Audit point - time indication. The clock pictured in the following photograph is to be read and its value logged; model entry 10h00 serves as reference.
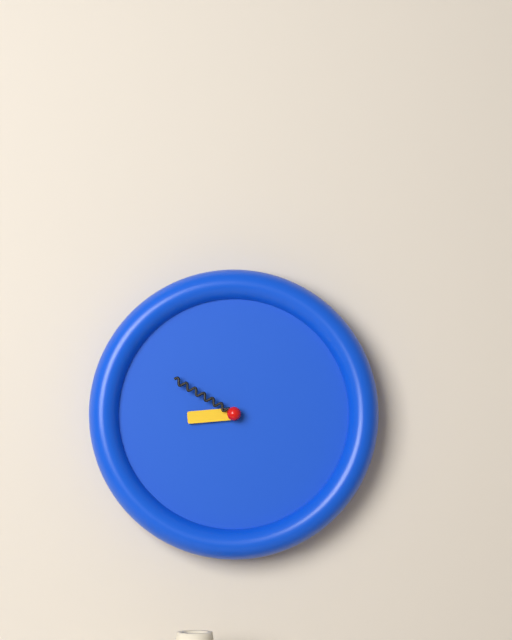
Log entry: 8h50
